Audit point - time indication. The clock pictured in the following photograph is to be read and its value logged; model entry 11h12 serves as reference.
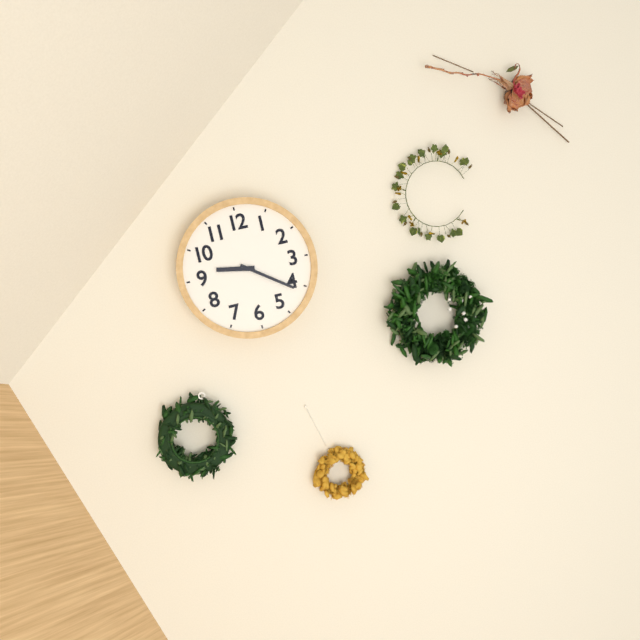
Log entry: 9h21
